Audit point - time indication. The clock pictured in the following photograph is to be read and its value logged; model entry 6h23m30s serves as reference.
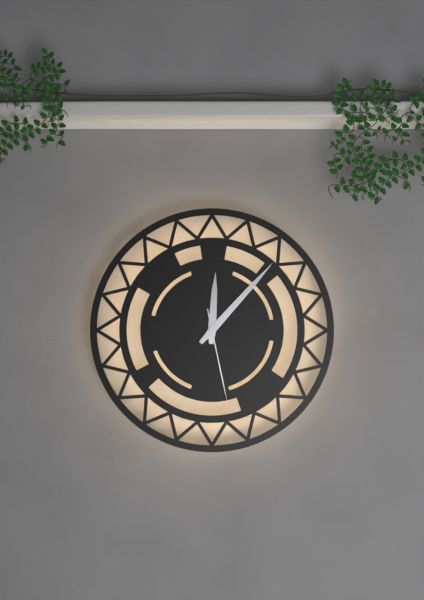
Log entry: 12h07m28s
